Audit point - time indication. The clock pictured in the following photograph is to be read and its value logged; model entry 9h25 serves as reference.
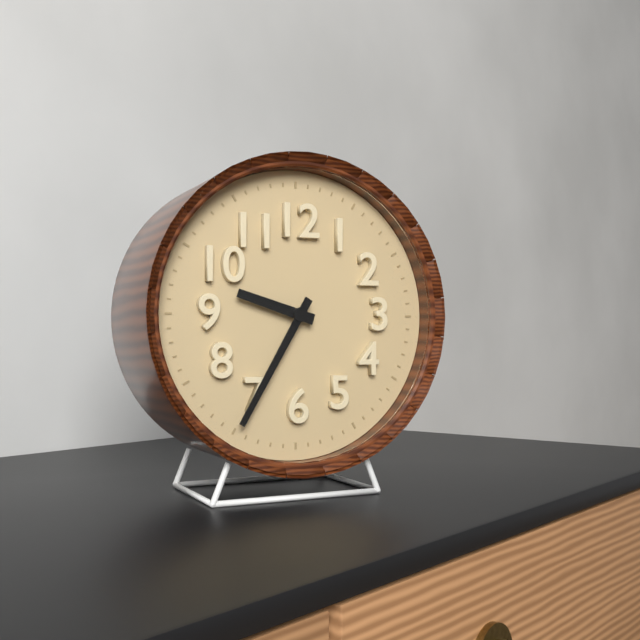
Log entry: 9h35
